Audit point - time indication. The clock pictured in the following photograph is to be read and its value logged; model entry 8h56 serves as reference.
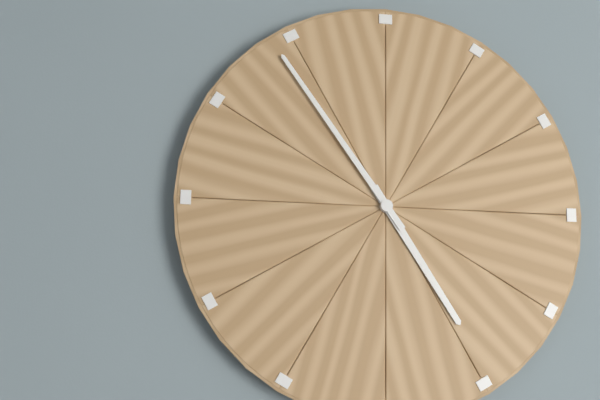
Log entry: 4h54
